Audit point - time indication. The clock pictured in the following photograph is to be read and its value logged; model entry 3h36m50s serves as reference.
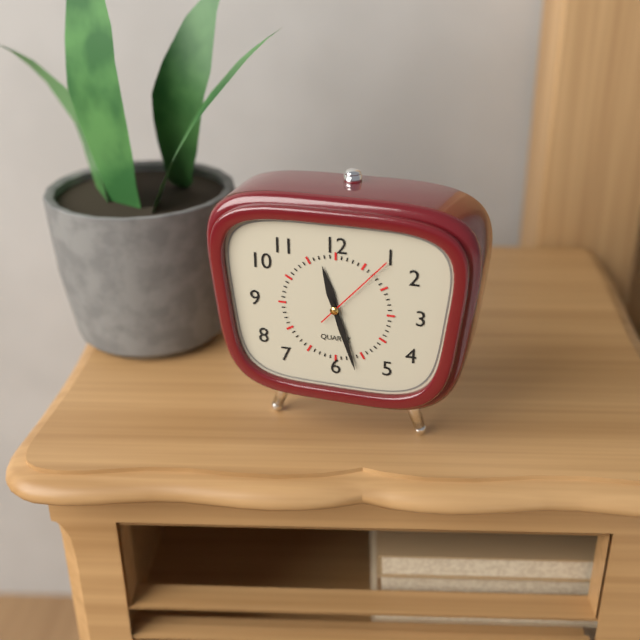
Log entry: 11h27m07s
